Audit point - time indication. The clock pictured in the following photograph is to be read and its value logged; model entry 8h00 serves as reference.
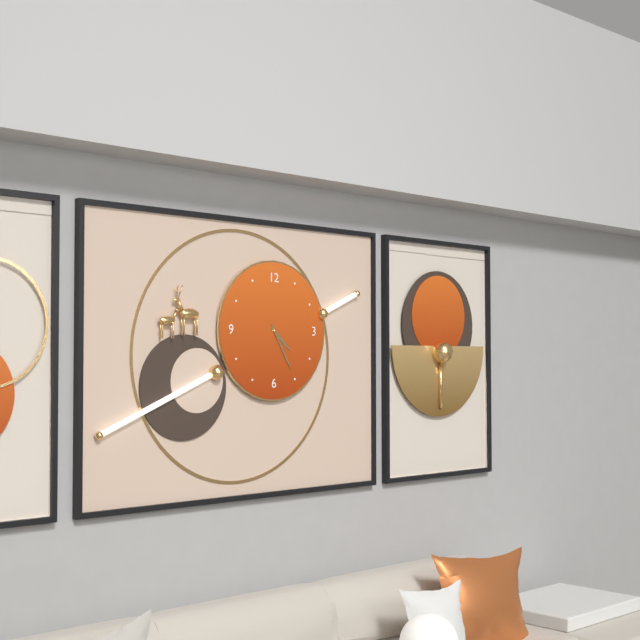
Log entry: 4h25
